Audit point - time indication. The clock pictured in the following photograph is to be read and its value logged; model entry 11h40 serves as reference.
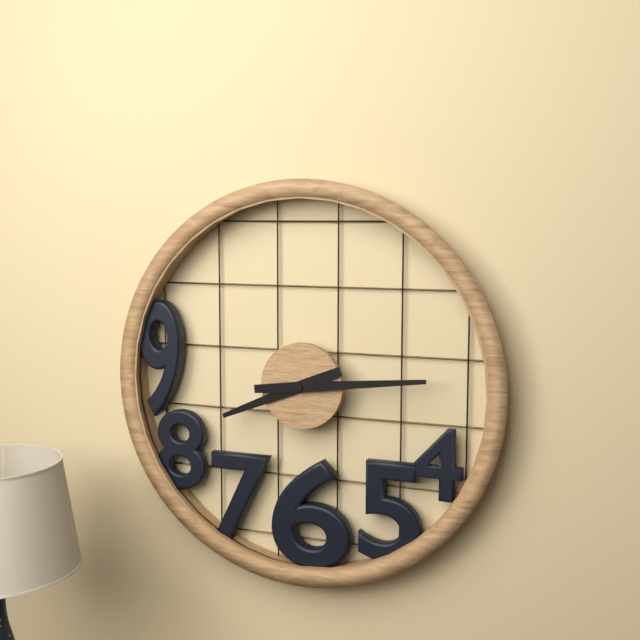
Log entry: 8h14
